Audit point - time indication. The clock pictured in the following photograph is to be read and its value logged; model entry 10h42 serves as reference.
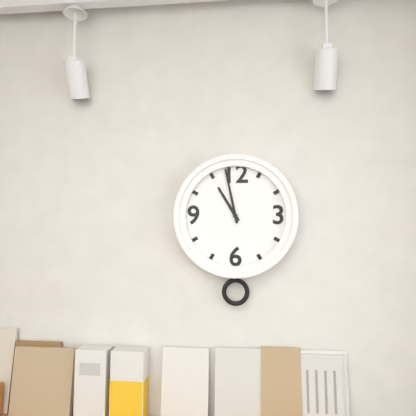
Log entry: 10h58
